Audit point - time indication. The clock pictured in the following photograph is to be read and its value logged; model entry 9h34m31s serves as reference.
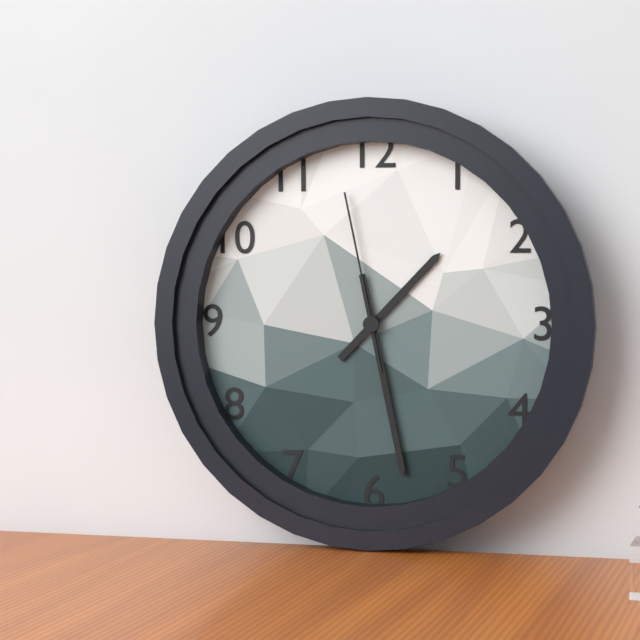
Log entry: 1h28m58s
